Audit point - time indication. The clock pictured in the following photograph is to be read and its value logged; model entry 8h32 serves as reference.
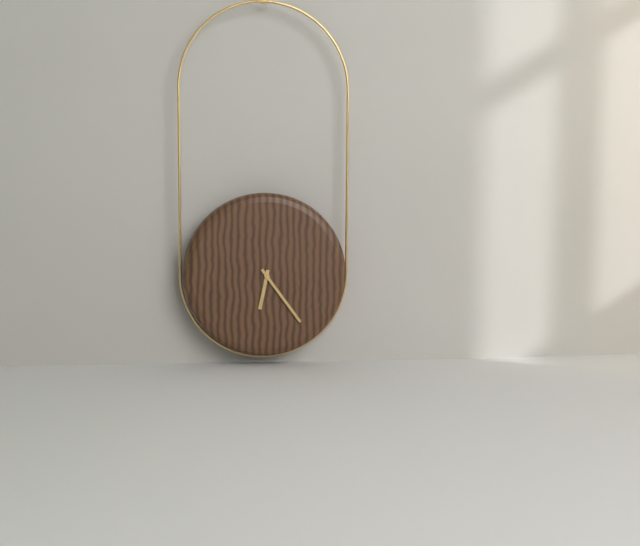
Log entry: 6h24
